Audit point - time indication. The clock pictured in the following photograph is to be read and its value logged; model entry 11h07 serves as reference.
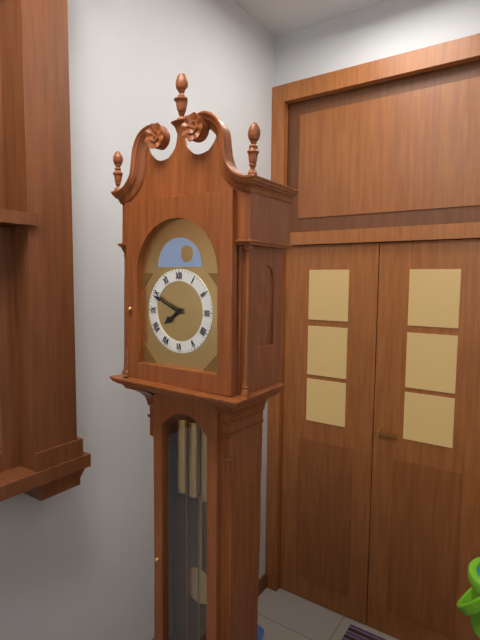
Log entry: 7h49
